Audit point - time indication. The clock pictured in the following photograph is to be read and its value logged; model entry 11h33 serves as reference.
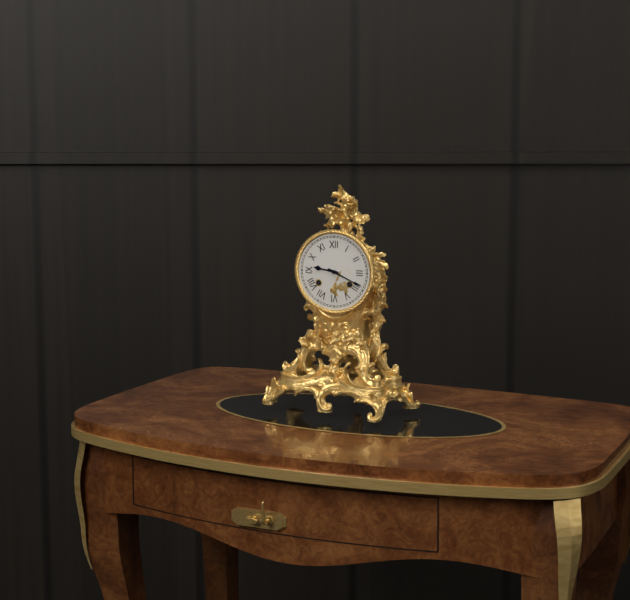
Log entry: 9h19
